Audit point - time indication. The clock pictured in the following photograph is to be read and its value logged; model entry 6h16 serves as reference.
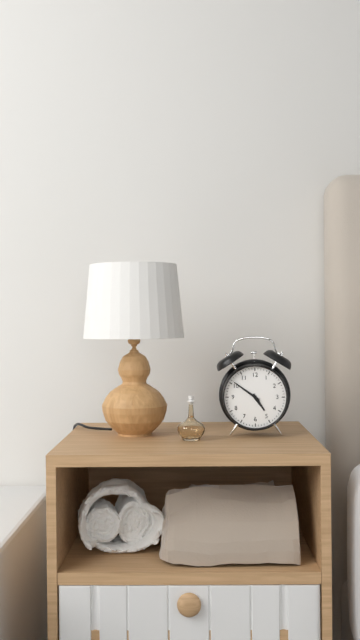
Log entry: 4h51
